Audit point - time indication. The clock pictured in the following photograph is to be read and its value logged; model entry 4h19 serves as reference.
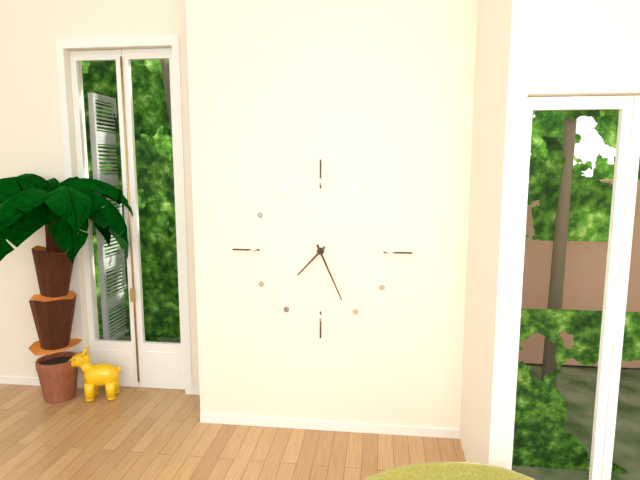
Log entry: 7h26
